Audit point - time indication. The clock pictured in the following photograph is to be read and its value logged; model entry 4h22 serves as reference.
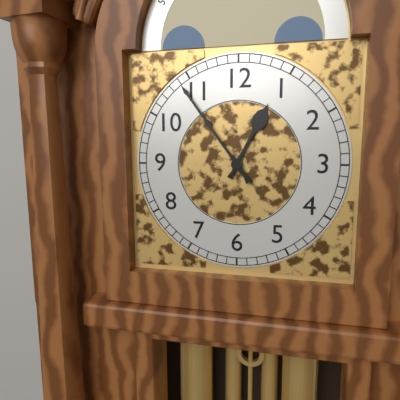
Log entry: 12h54
